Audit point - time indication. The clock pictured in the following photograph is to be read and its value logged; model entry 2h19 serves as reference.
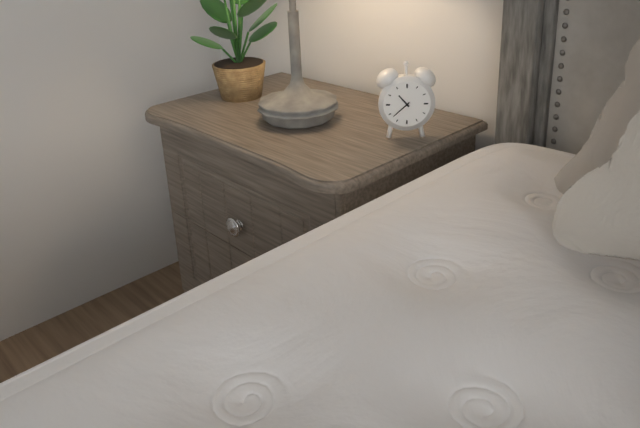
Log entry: 10h38
